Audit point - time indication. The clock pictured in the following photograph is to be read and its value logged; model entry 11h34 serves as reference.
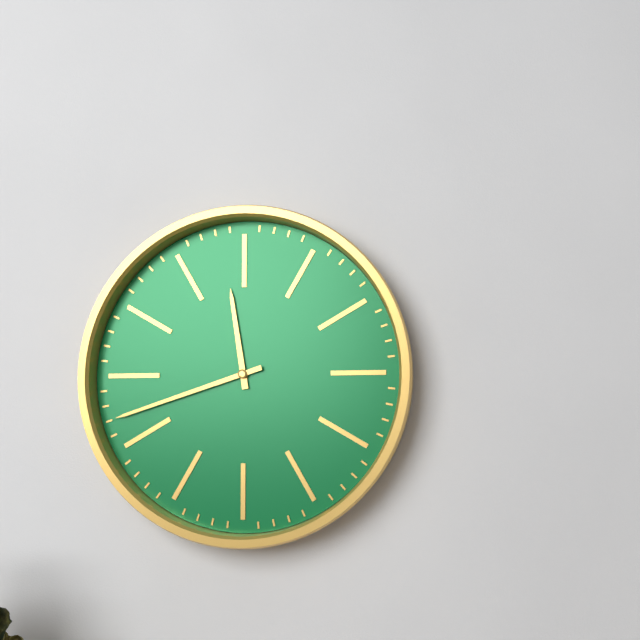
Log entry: 11h42
